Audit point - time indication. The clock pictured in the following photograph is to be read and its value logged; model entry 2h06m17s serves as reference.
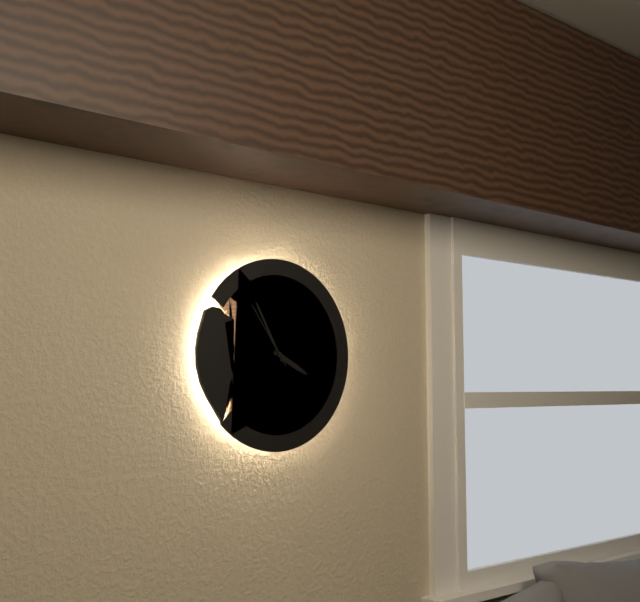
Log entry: 3h55m54s
